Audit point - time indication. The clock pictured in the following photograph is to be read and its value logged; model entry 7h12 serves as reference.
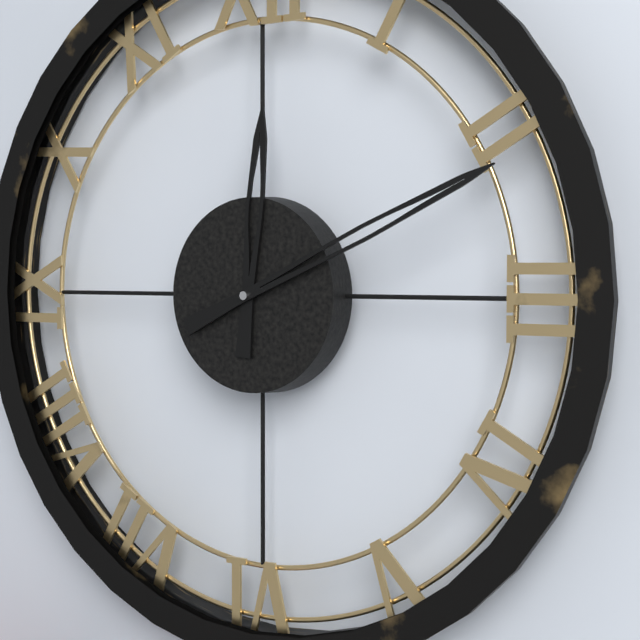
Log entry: 12h11
